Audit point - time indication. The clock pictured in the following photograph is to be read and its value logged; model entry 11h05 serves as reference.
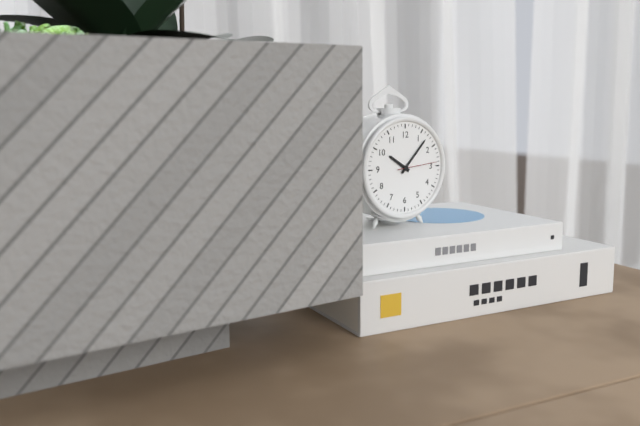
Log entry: 10h07
